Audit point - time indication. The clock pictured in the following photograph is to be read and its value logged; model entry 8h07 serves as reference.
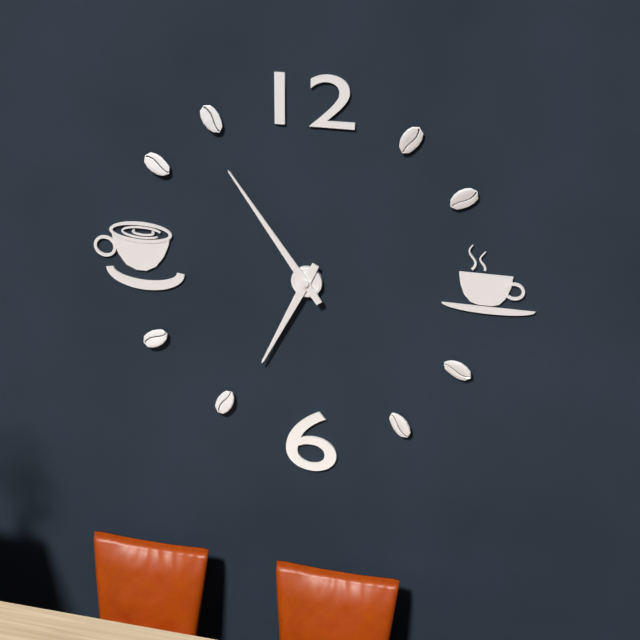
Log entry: 6h54
